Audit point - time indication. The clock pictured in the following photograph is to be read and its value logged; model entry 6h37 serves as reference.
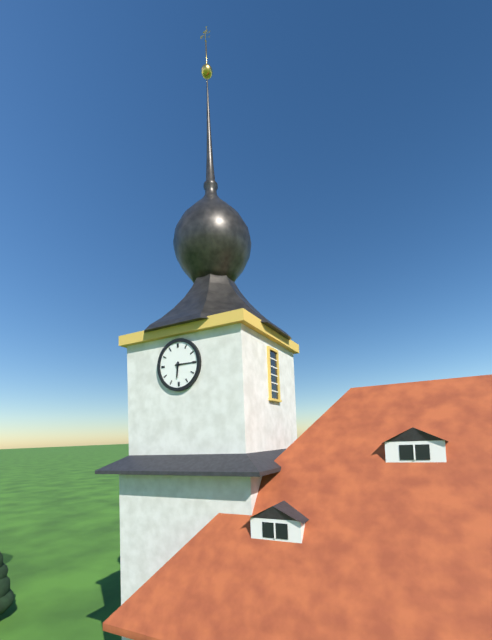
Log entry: 6h15
